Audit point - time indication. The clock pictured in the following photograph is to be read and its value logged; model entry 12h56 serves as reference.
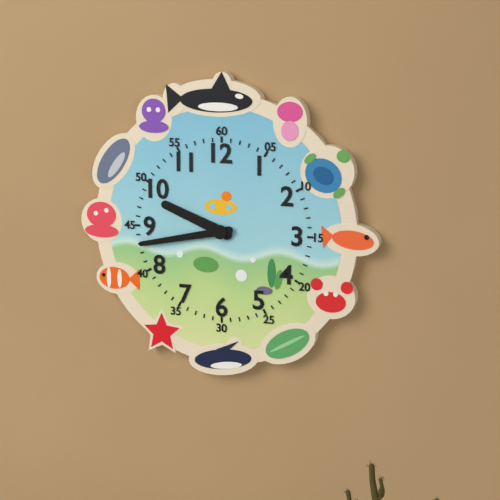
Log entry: 9h43
